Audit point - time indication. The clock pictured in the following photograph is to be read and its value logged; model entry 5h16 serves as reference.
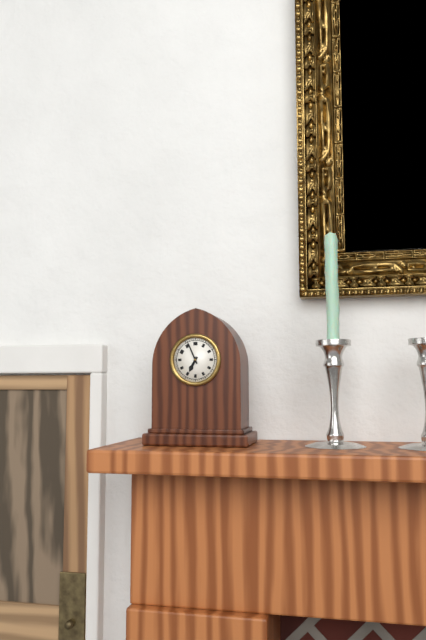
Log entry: 6h56
